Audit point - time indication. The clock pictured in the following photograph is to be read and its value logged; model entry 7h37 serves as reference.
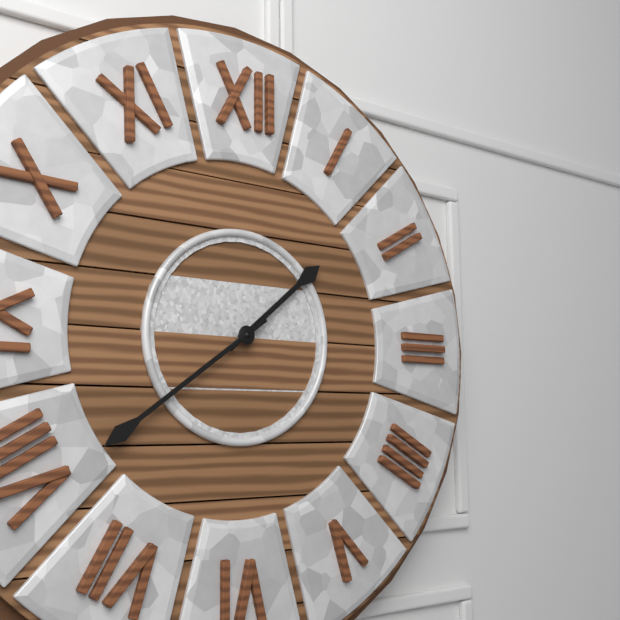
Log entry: 1h39
